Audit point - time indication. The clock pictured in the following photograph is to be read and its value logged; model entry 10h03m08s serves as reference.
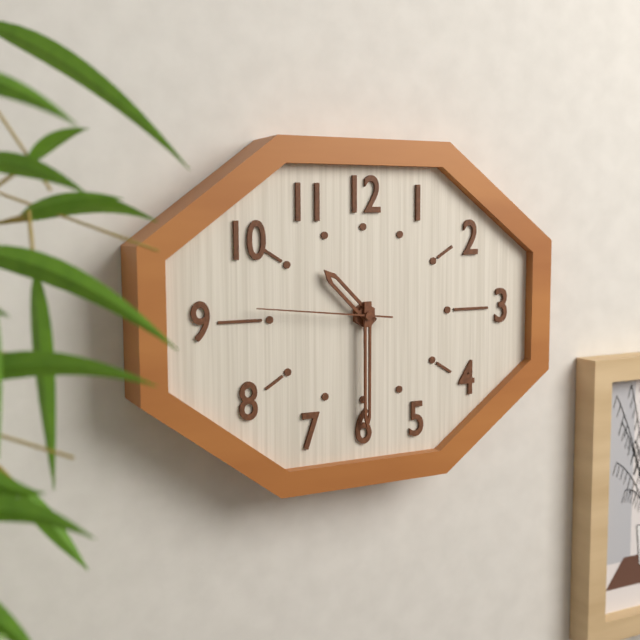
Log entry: 10h30m46s
